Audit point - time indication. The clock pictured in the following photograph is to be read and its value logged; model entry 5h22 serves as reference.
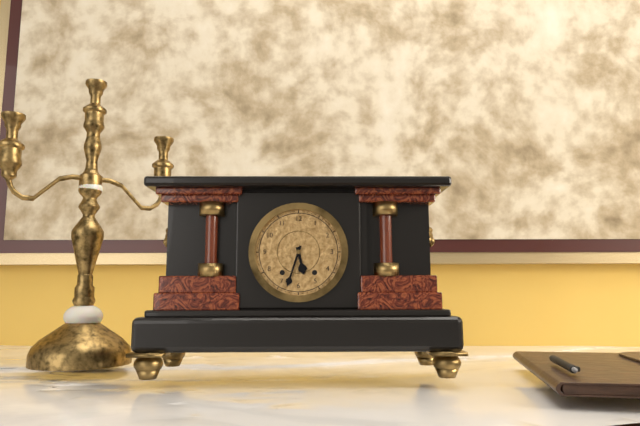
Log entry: 5h33
